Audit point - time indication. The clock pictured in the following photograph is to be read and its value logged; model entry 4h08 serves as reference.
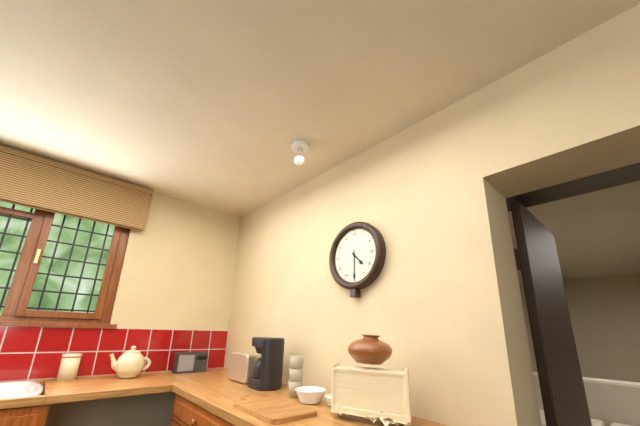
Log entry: 4h30
